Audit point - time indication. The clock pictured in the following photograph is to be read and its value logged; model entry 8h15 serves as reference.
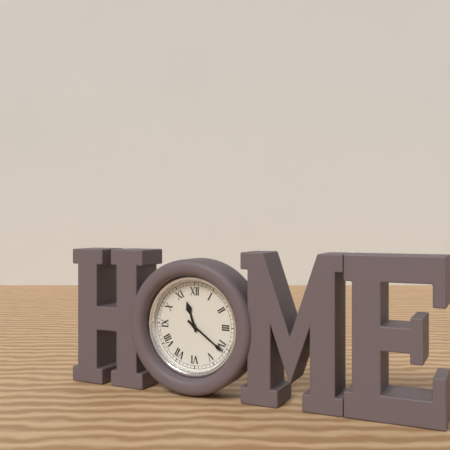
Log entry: 11h21
